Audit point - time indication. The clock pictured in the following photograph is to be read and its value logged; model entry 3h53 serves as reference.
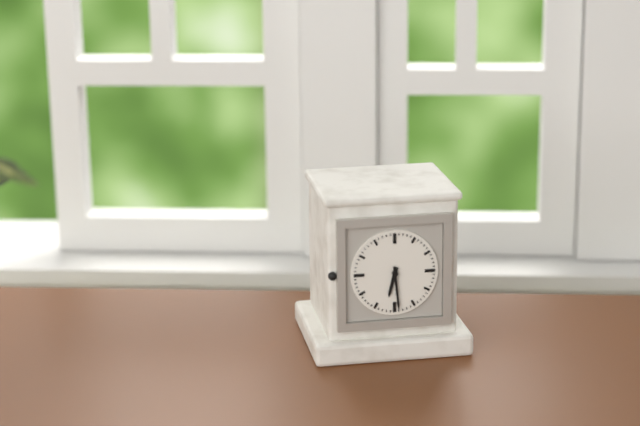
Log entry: 6h29
